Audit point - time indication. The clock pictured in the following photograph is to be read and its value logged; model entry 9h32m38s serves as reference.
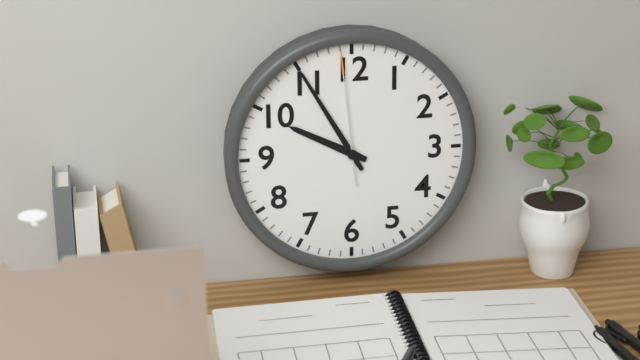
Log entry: 9h55m59s
